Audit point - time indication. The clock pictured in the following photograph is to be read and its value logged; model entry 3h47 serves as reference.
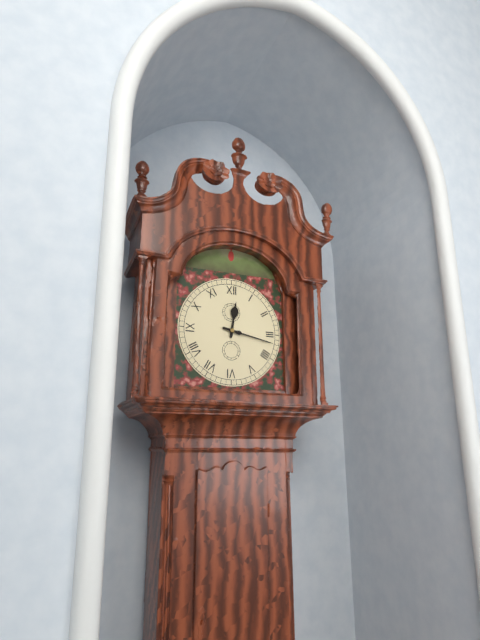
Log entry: 12h17
